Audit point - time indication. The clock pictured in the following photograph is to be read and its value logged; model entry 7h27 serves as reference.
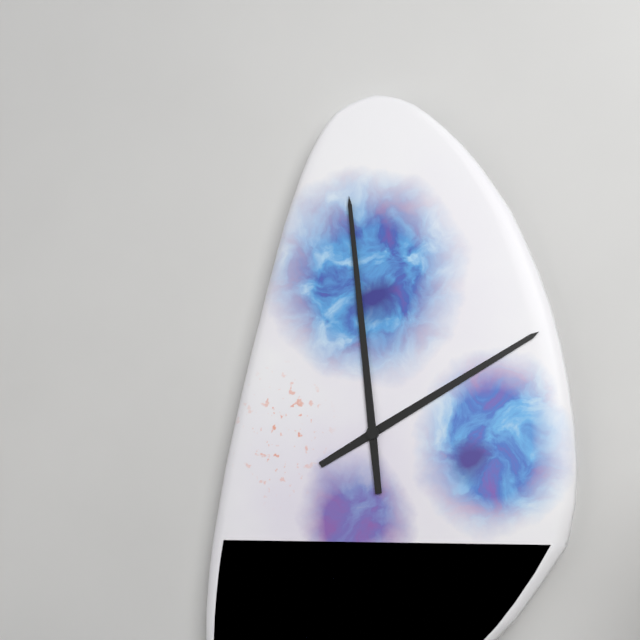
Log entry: 1h59
